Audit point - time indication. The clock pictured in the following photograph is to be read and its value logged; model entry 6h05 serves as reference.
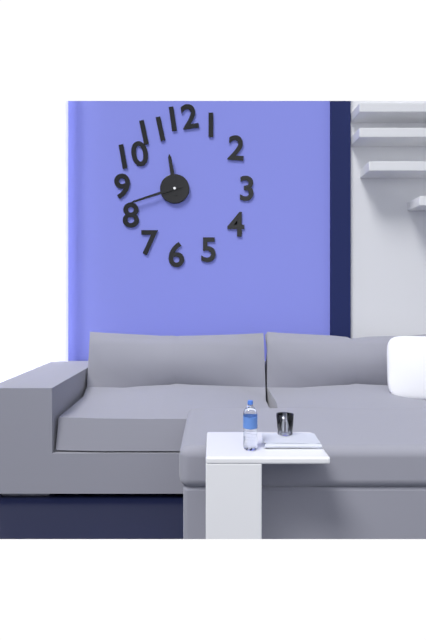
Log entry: 11h42
